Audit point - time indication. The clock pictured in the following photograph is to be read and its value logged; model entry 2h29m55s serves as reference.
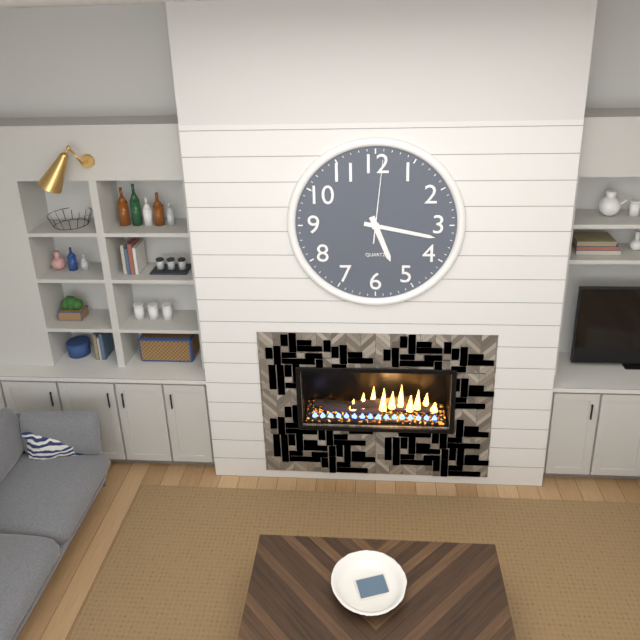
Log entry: 5h17m01s
